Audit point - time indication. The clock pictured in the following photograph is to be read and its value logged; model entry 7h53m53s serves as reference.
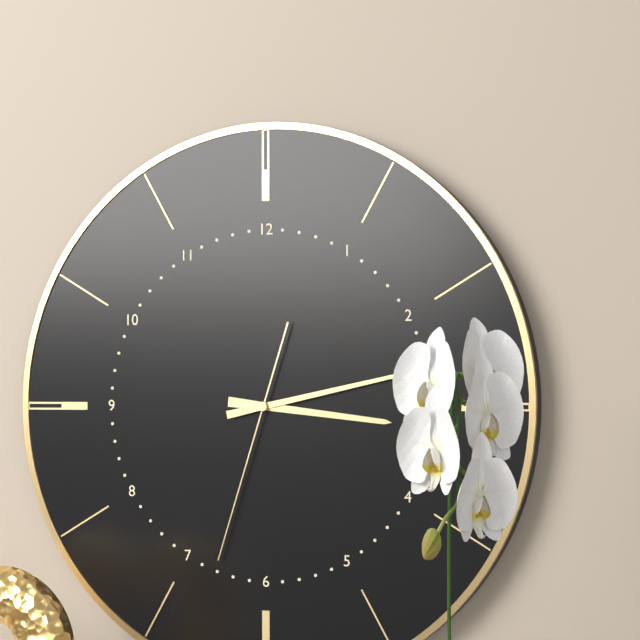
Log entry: 3h13m33s
